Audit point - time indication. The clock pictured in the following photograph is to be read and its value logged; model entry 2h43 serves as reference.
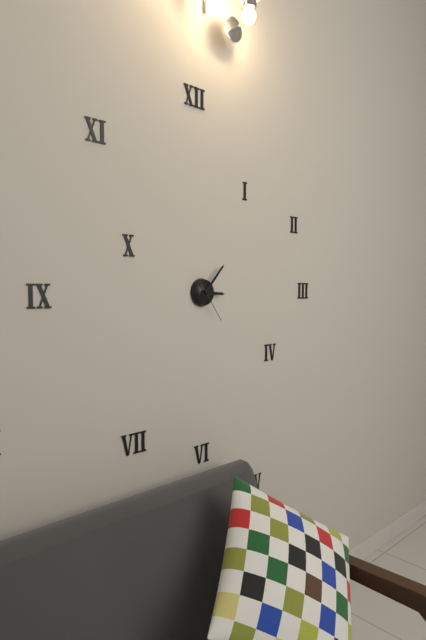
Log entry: 3h07
